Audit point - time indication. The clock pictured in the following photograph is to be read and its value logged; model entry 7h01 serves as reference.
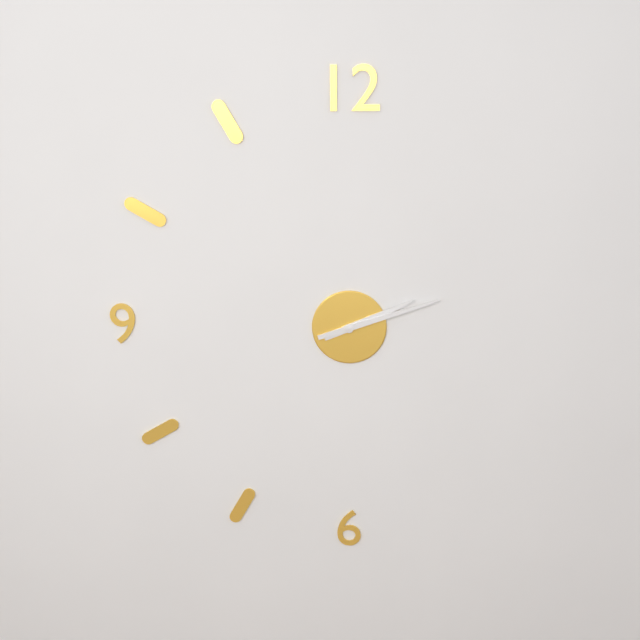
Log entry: 2h12
